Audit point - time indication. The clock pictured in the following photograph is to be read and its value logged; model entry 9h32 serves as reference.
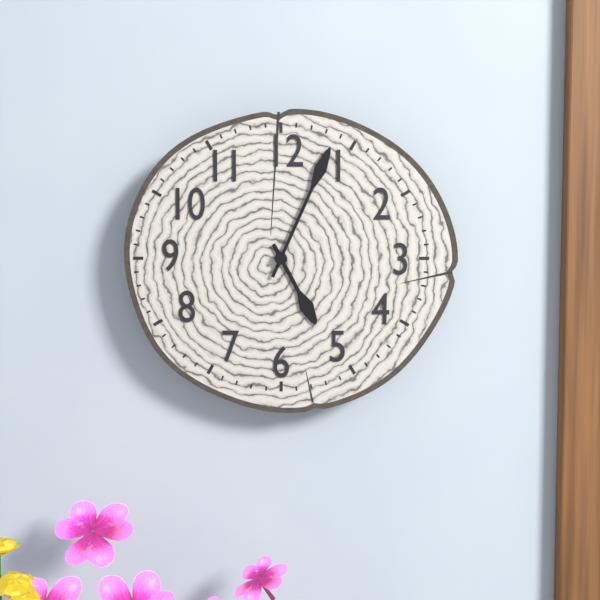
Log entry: 5h04
